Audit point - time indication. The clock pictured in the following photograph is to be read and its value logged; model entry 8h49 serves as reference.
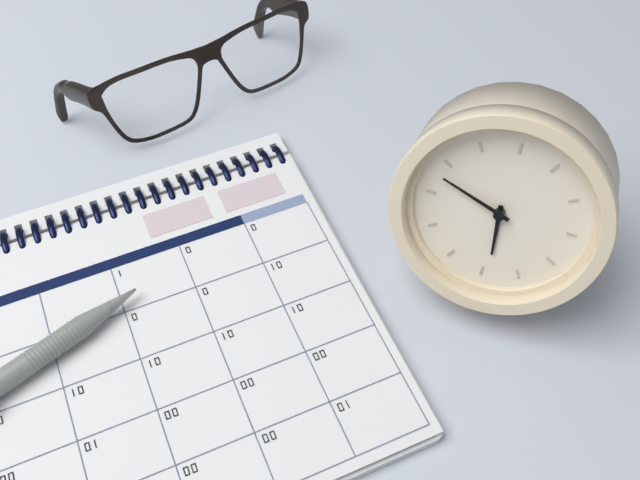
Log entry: 5h48
